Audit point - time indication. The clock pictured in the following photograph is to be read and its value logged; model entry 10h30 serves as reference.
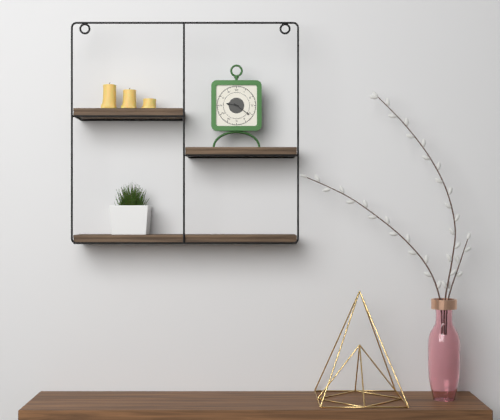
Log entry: 9h21
